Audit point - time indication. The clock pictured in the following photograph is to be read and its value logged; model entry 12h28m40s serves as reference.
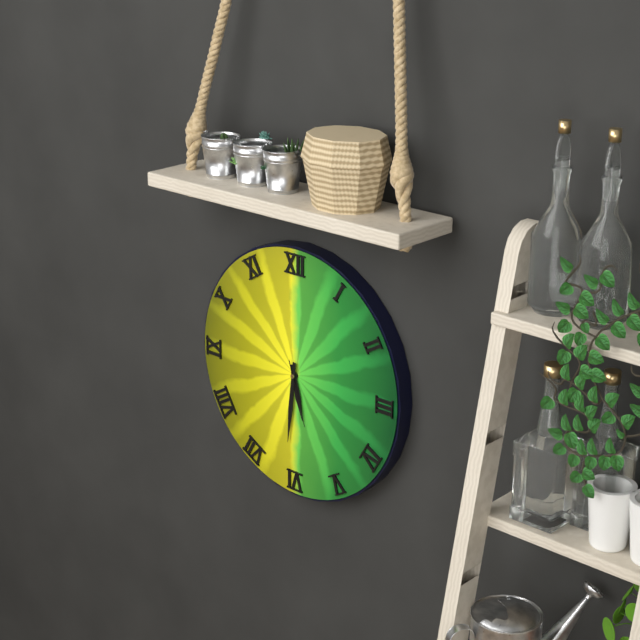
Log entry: 5h31m27s
